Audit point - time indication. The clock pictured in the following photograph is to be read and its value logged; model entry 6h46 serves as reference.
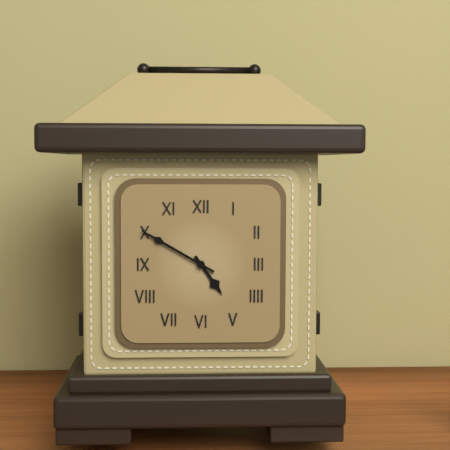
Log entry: 4h50
